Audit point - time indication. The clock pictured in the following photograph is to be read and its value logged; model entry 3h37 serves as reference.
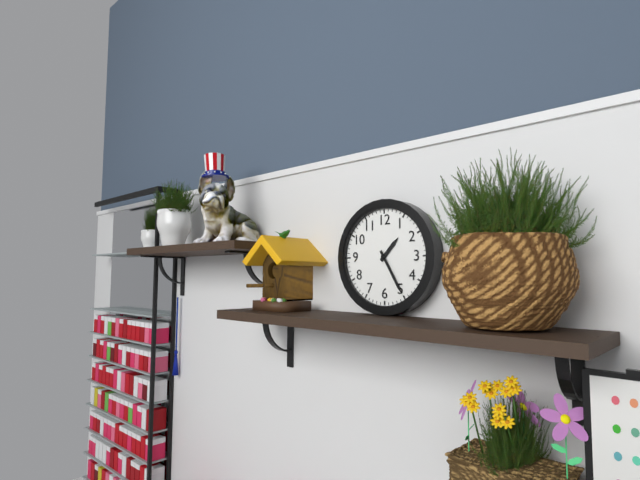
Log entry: 1h25
